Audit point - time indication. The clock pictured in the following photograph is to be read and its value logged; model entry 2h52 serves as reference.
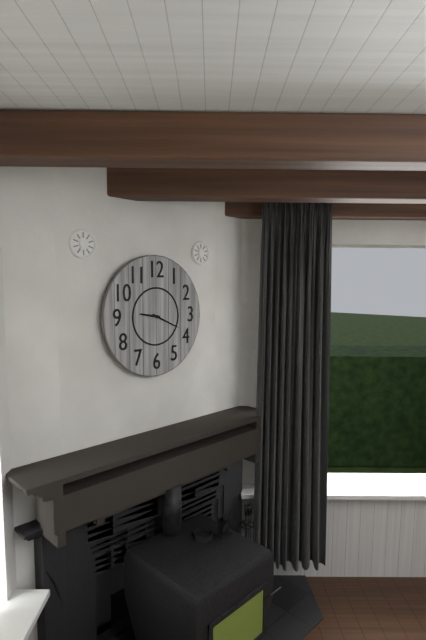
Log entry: 9h19
